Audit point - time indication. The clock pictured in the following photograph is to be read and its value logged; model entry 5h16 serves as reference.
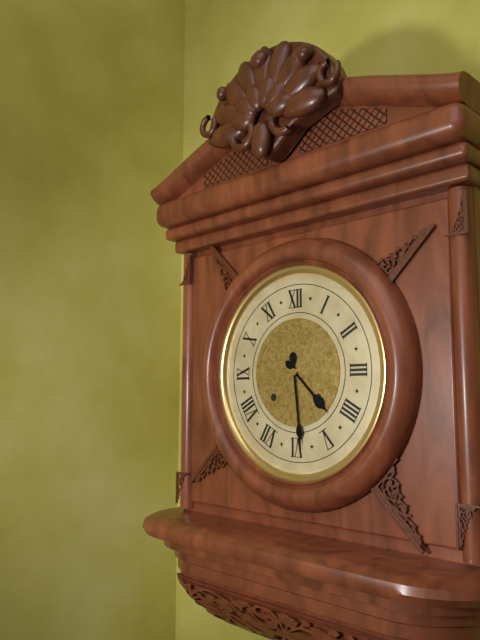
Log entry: 4h29
